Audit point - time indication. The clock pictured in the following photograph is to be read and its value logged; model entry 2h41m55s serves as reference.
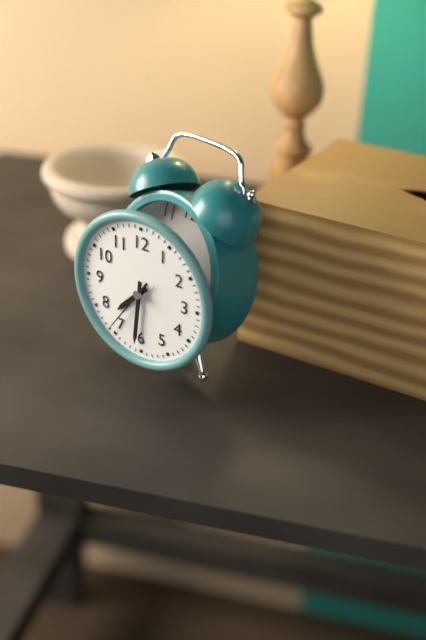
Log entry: 7h31m36s
